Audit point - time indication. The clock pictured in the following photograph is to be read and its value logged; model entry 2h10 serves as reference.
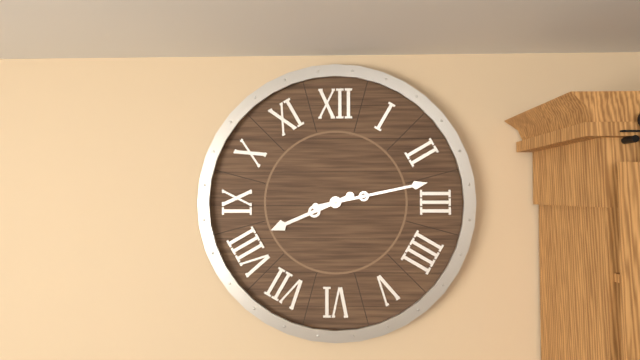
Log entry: 8h13
